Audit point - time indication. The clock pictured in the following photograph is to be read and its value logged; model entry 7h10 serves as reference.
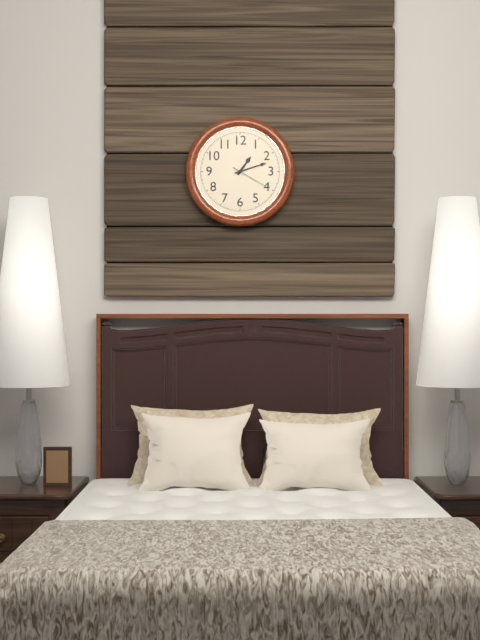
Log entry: 1h12
